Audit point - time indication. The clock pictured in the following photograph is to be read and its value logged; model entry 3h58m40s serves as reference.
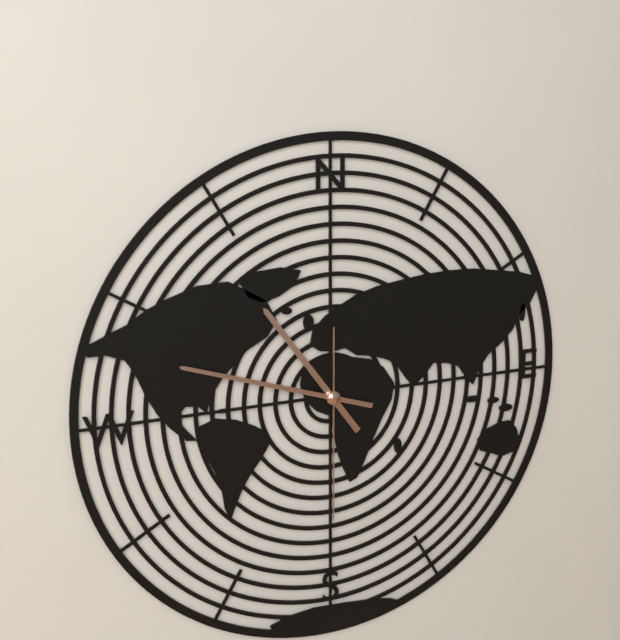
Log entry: 10h48m30s
